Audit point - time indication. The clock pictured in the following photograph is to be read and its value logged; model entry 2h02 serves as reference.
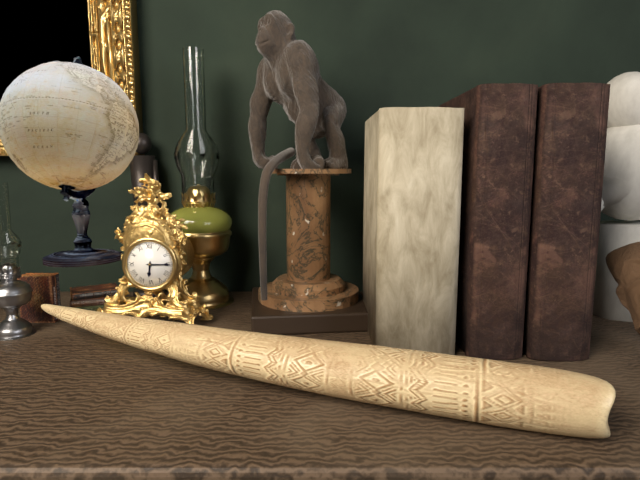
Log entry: 6h15
